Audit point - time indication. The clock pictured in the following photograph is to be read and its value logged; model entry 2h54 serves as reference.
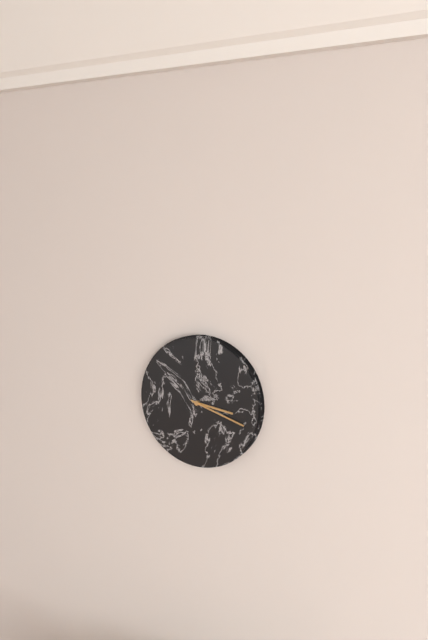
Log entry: 3h18
